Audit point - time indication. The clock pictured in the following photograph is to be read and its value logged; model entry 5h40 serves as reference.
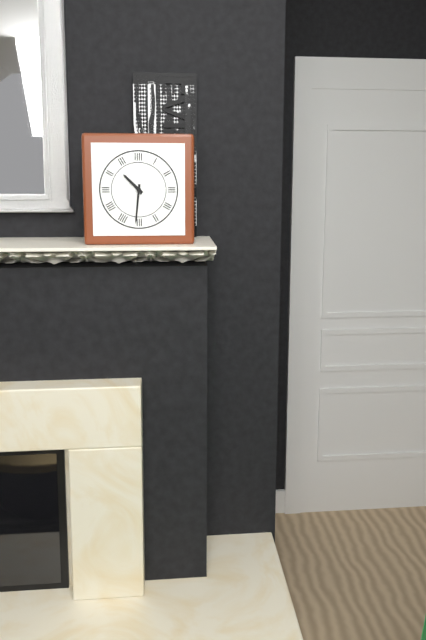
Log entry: 10h31
